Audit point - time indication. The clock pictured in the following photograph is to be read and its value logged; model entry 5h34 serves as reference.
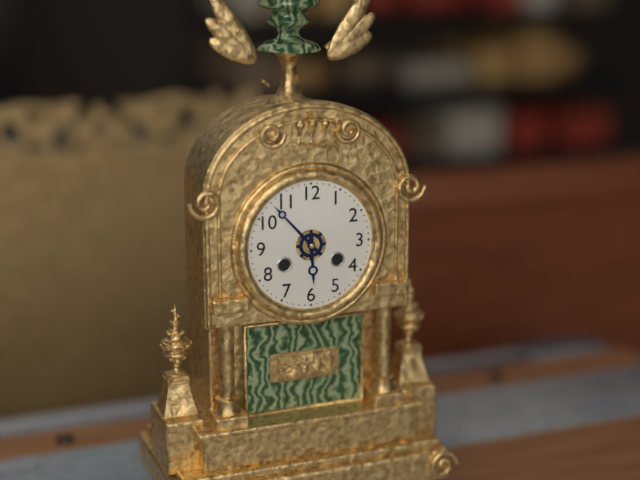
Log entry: 5h53
